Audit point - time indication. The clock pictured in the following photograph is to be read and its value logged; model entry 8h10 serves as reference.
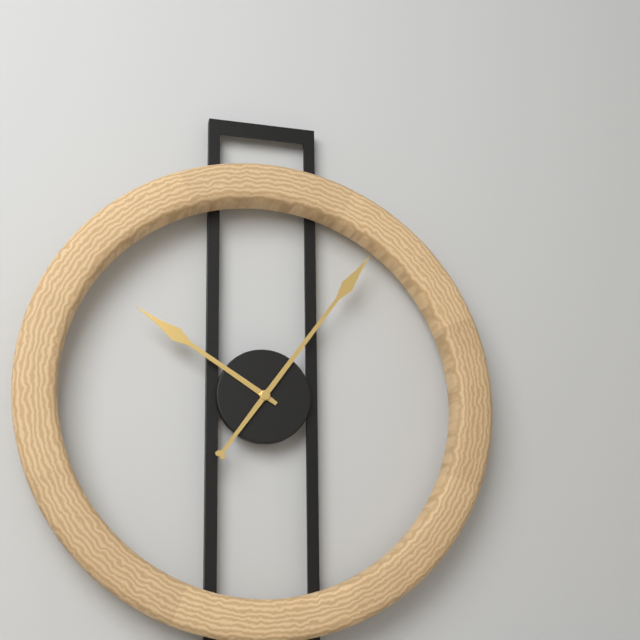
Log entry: 10h06
